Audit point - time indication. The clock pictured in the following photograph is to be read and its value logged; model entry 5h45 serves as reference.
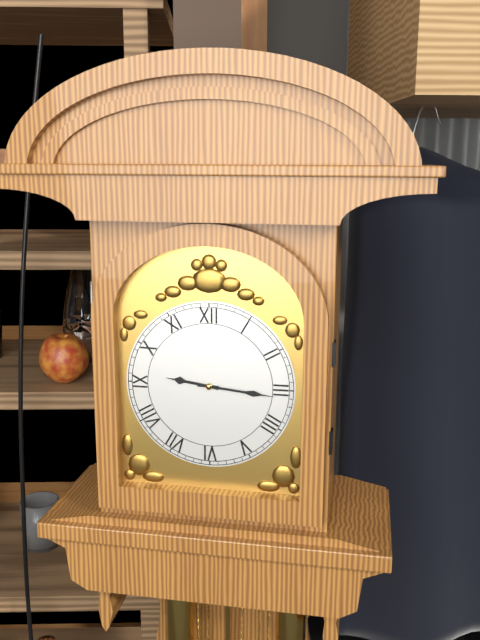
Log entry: 9h16
